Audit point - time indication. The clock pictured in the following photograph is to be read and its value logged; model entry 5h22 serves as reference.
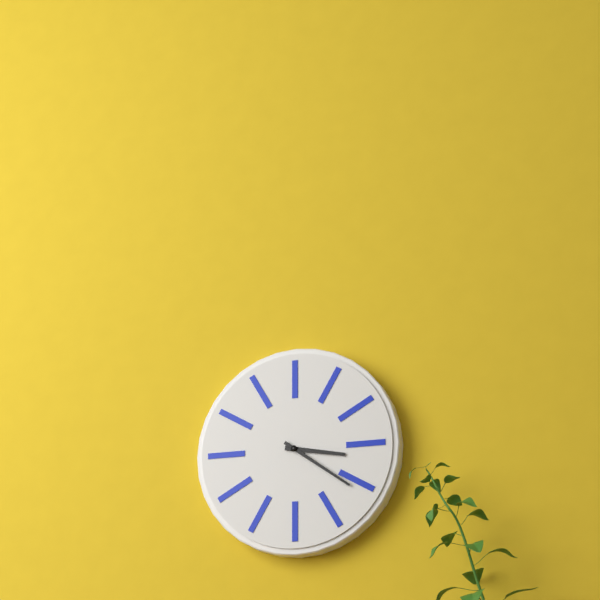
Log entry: 3h21
